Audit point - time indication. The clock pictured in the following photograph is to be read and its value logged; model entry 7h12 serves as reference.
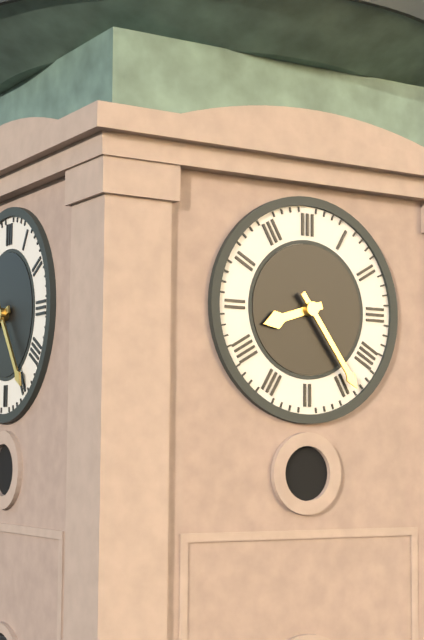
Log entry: 8h24
